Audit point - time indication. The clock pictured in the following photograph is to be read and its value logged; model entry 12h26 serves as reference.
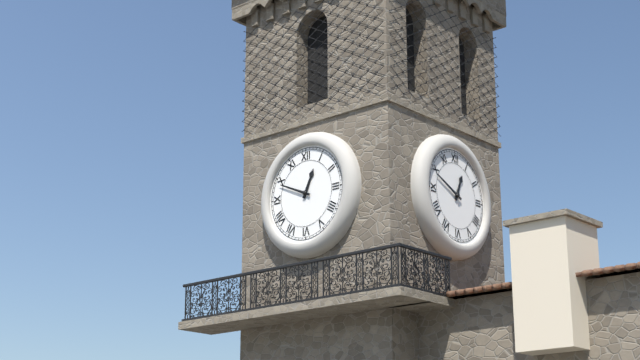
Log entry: 12h49
